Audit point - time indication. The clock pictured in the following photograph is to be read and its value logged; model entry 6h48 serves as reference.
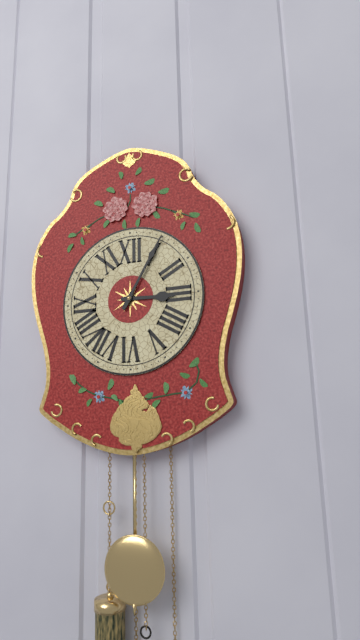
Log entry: 3h05
